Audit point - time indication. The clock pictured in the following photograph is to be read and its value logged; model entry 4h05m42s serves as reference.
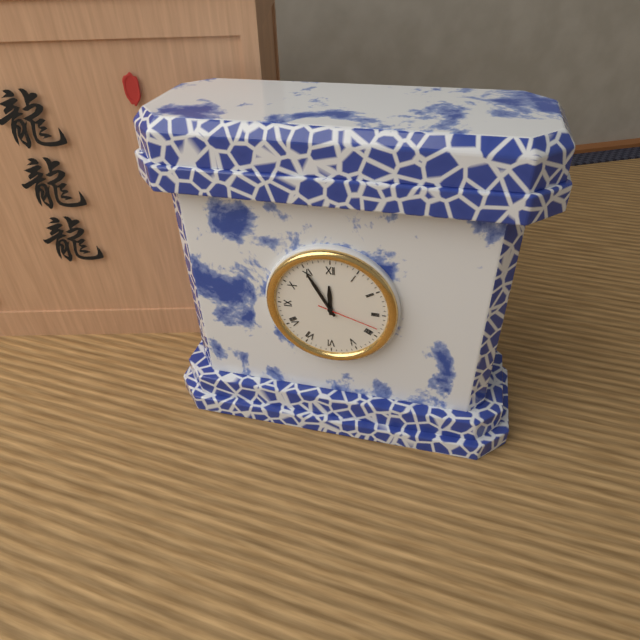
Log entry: 11h55m18s
